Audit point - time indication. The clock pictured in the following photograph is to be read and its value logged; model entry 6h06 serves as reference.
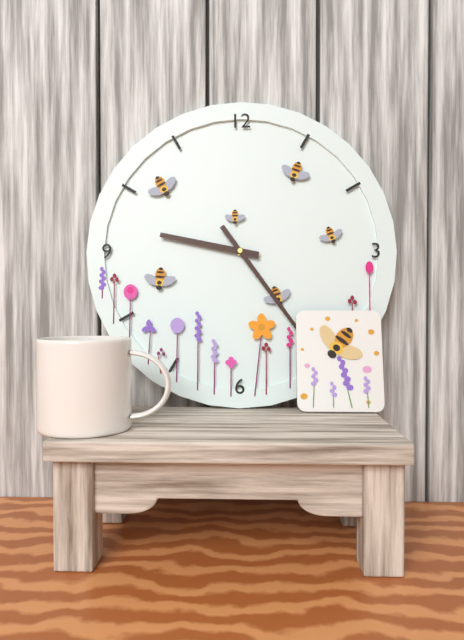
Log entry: 9h24
